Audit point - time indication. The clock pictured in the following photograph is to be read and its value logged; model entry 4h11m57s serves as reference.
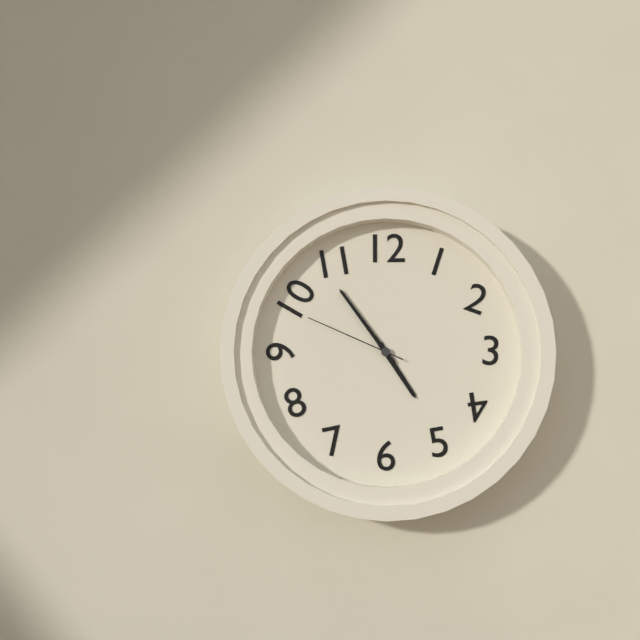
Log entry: 4h54m49s
